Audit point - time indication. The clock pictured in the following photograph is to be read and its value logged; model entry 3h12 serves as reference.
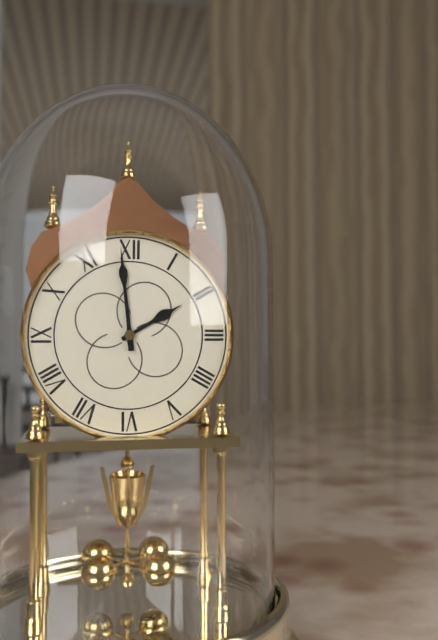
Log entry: 1h59
